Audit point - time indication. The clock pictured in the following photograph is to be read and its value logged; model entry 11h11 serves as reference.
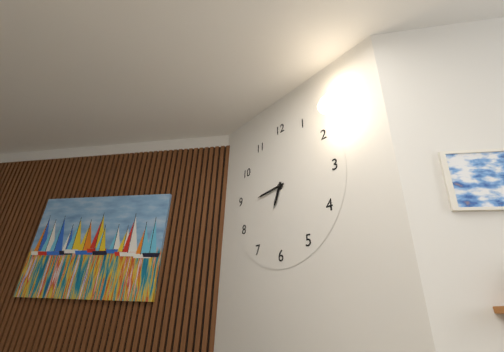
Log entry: 6h44
